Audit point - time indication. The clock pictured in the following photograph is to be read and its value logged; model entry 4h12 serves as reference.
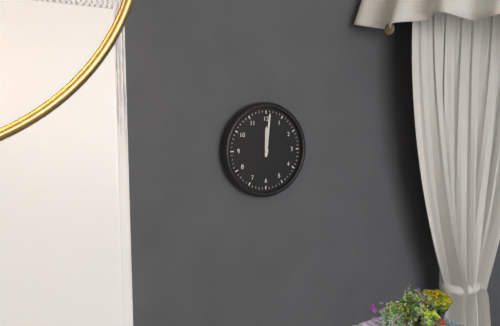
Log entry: 12h01
